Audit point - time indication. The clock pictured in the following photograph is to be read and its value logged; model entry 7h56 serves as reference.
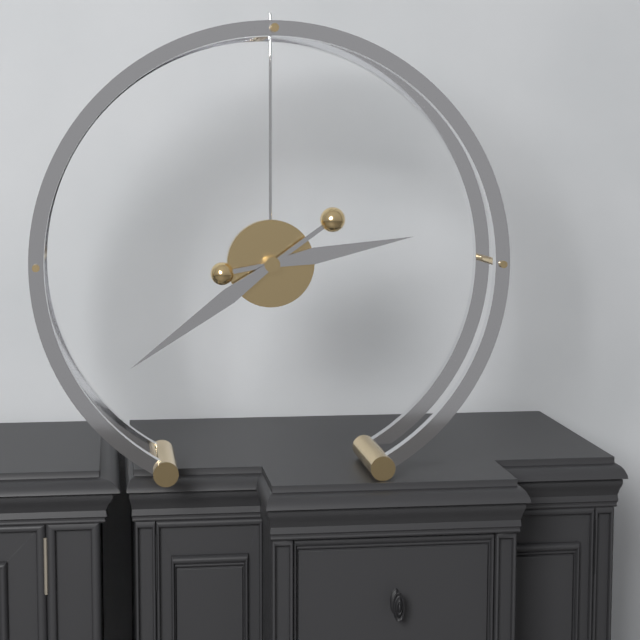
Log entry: 2h39
